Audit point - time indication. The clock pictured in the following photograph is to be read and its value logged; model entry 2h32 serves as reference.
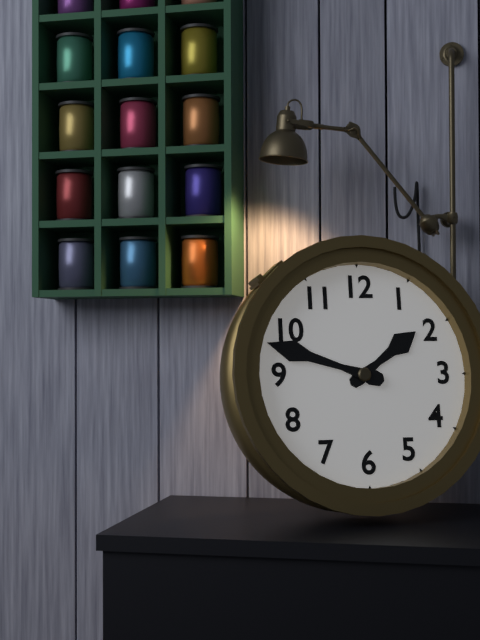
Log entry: 1h48
